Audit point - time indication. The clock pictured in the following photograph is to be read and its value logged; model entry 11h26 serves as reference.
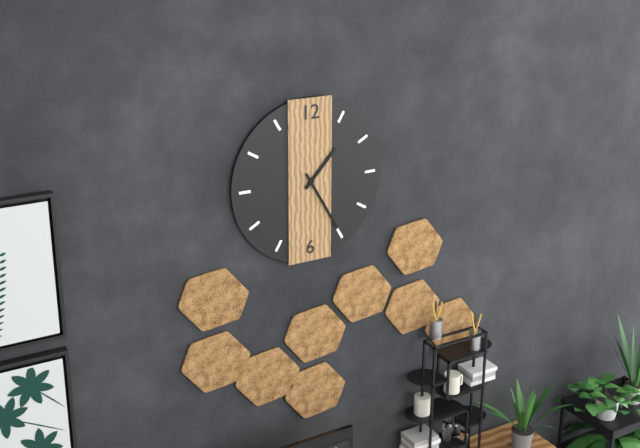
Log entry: 1h25
